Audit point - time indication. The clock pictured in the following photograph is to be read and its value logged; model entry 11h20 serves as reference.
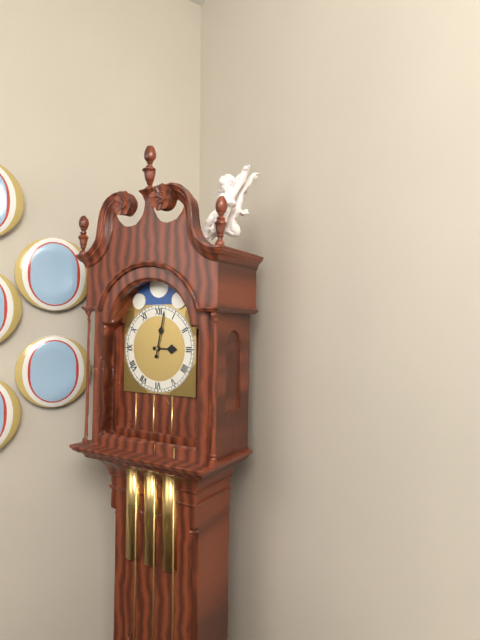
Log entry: 3h02
